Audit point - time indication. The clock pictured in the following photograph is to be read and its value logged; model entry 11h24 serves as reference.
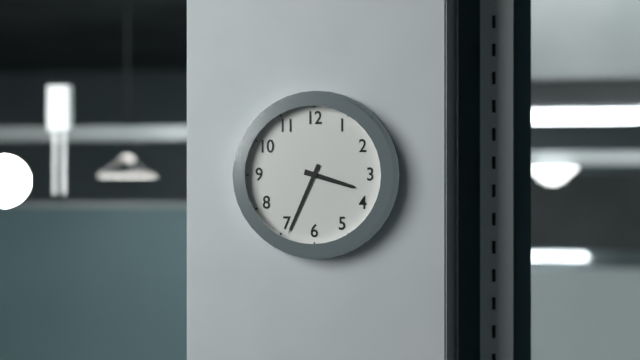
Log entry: 3h34
